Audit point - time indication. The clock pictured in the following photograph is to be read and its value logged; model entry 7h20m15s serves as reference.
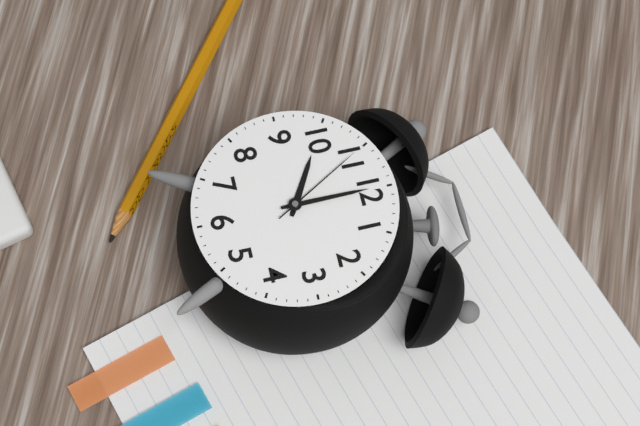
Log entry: 10h00m55s
